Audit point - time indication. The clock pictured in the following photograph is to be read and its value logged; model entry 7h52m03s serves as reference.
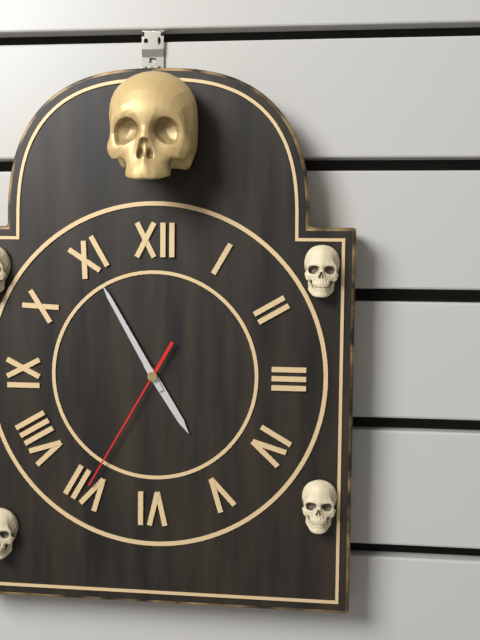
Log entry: 4h55m35s
